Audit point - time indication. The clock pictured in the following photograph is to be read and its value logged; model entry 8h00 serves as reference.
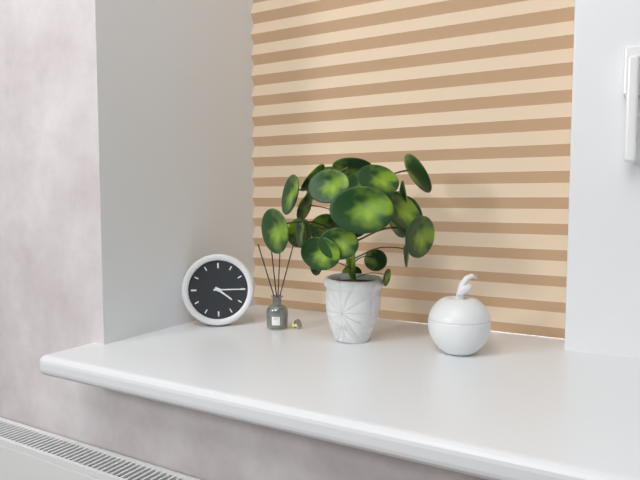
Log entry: 4h15
